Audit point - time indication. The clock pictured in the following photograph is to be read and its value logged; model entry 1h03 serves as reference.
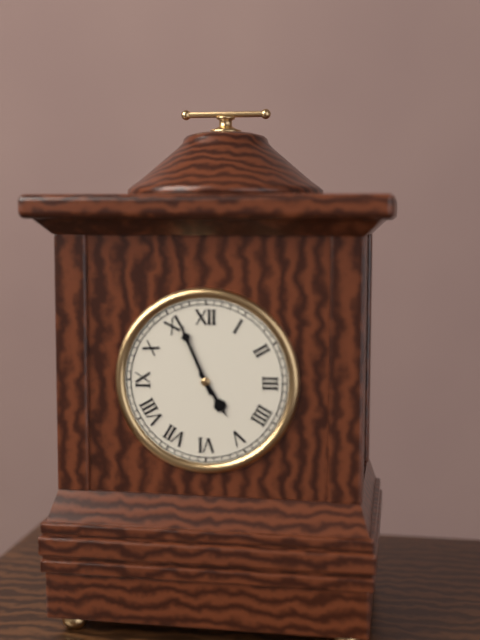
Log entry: 4h56
